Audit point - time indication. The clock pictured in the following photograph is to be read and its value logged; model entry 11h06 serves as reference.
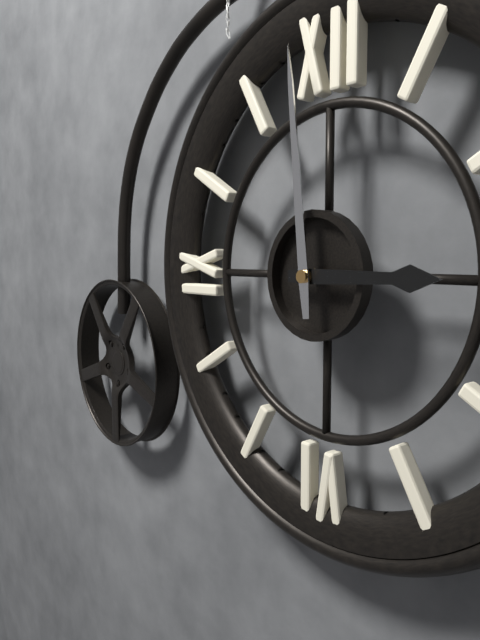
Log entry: 2h59
